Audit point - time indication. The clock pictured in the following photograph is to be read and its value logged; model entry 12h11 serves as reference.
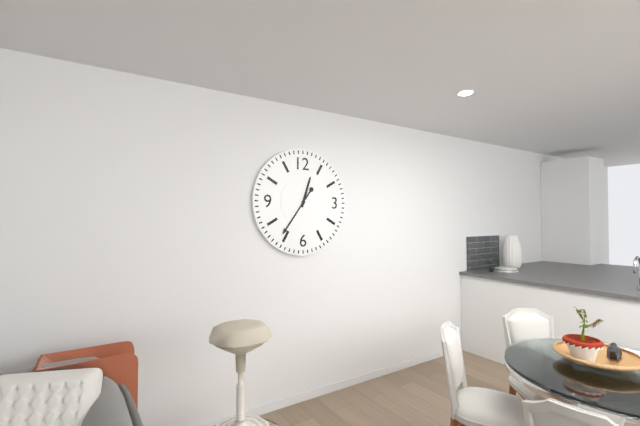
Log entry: 12h36
